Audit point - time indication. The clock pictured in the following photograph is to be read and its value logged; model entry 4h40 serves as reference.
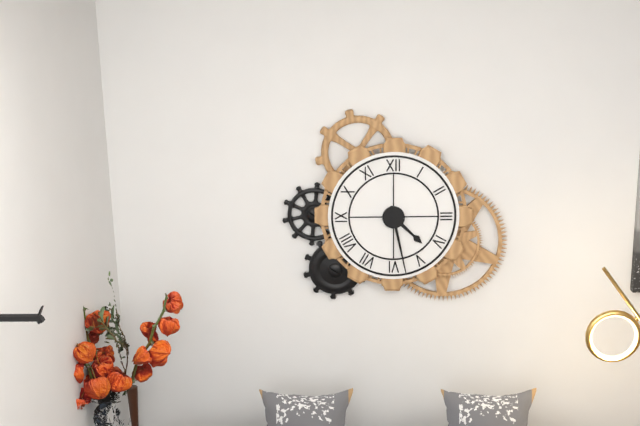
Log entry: 4h28
